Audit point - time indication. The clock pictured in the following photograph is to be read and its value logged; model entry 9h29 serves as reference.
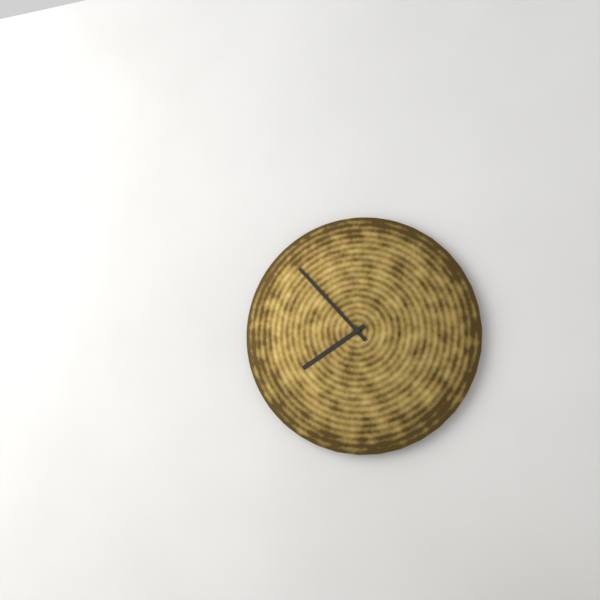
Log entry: 7h53
